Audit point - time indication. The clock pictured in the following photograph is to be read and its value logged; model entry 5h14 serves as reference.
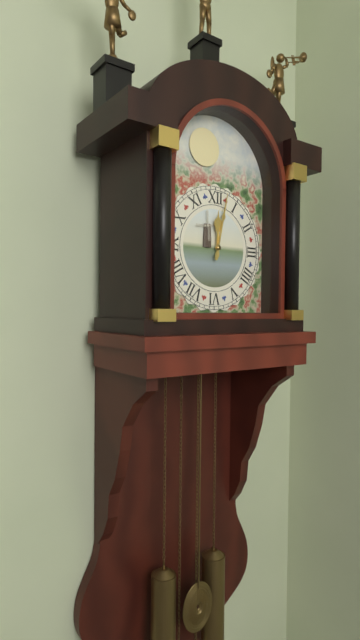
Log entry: 12h02
